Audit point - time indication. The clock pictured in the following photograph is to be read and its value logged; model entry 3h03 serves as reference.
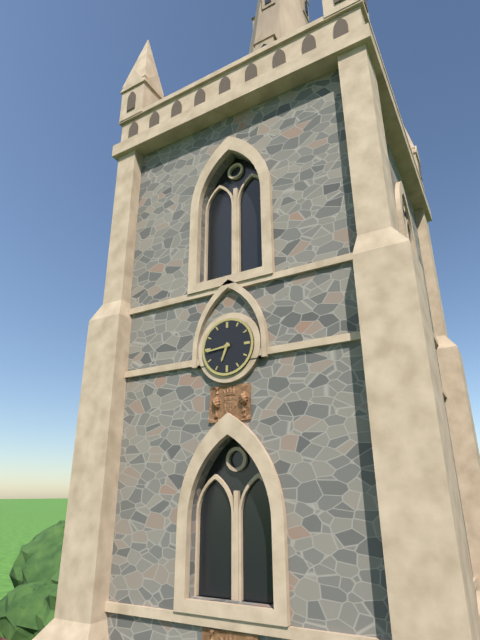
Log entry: 6h44
